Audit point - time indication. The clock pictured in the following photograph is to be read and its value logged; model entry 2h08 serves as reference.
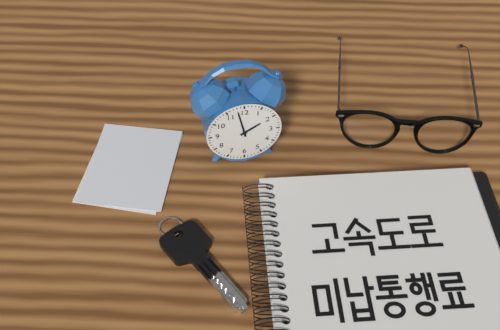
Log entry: 1h58
